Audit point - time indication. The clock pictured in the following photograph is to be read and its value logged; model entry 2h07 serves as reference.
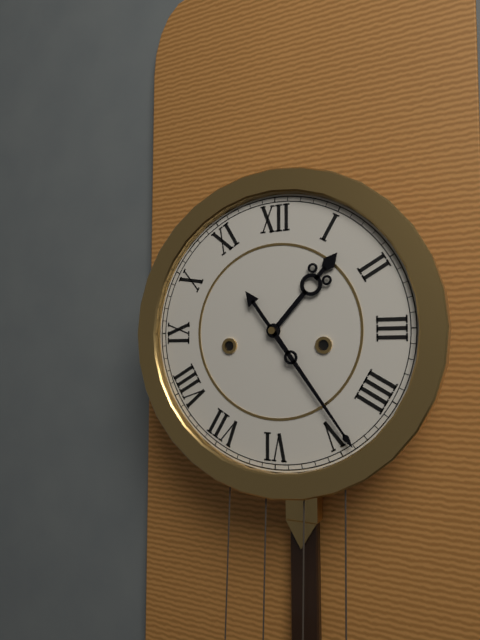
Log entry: 1h24
